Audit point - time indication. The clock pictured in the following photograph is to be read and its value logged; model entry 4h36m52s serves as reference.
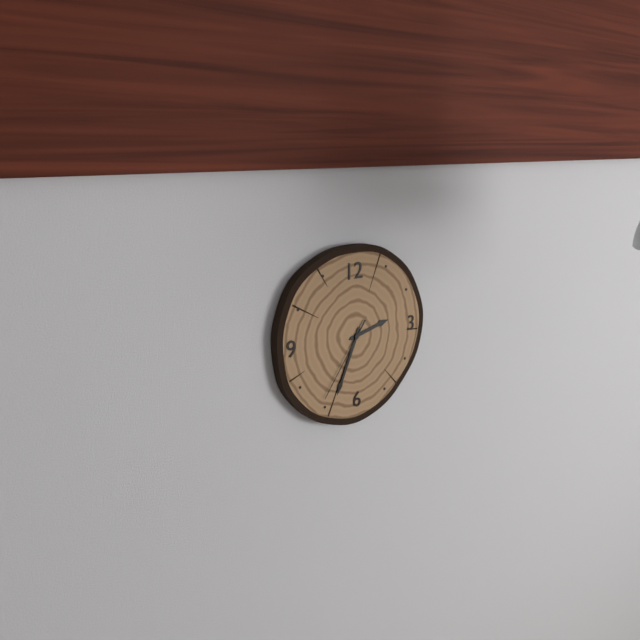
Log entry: 2h34m36s
